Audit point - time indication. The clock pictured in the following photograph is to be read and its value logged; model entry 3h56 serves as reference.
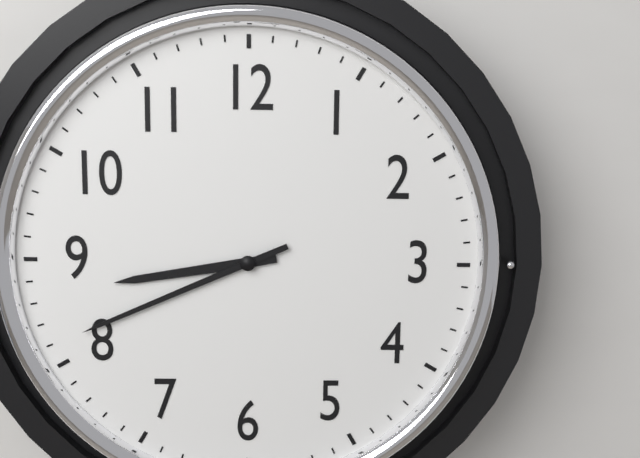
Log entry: 8h41
